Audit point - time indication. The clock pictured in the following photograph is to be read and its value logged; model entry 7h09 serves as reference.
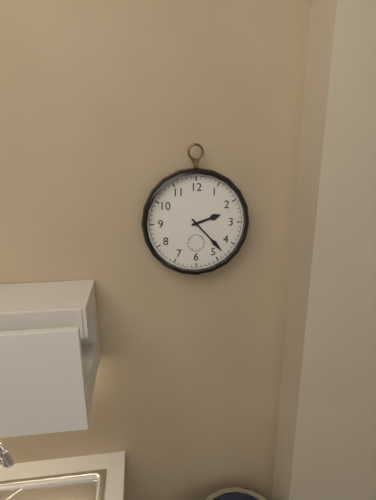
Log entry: 2h23
